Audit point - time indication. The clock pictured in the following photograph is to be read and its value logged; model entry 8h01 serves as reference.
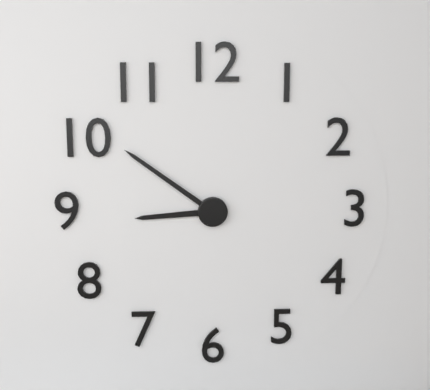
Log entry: 8h51
